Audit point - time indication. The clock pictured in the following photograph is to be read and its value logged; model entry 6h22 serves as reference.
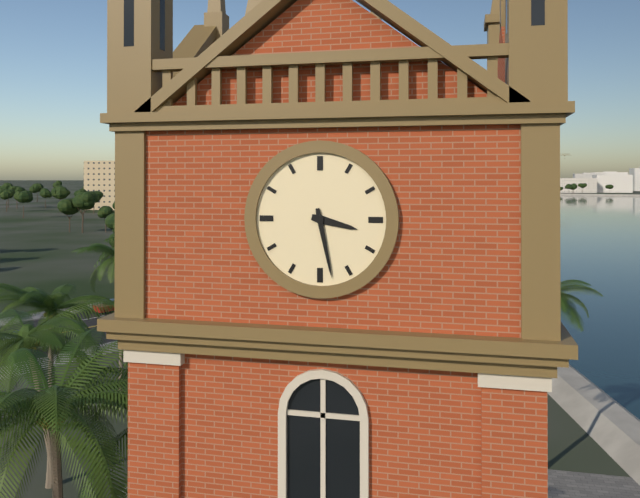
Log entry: 3h28
